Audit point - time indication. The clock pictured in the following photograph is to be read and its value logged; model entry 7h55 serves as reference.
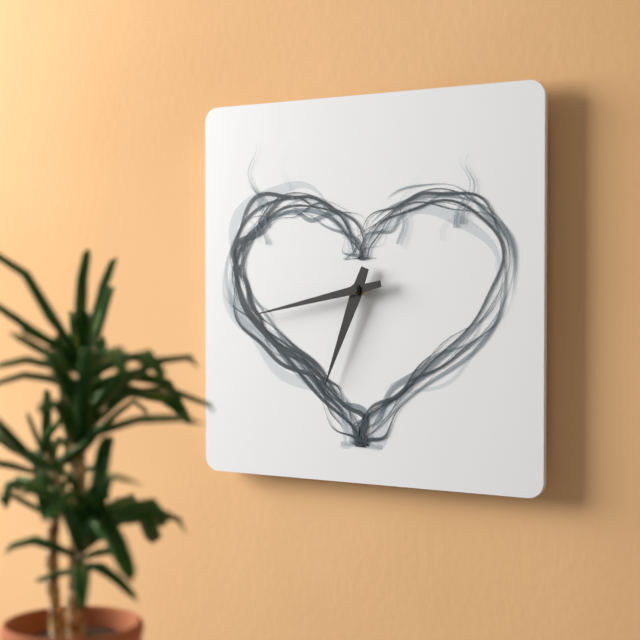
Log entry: 6h43
